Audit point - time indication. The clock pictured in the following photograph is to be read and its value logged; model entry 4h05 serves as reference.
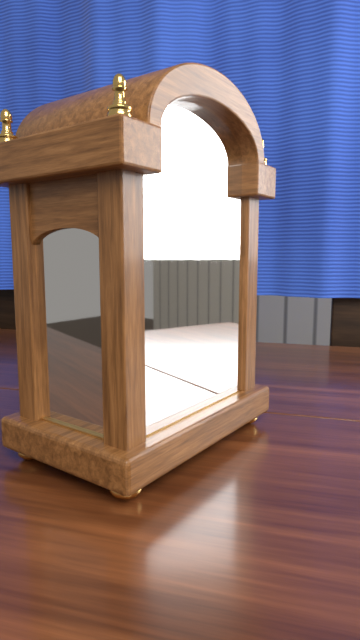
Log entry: 9h06
